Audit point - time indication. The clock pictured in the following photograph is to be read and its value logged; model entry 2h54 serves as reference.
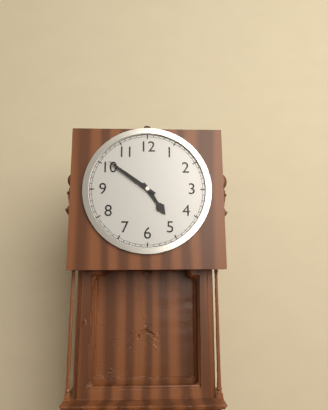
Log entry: 4h51
